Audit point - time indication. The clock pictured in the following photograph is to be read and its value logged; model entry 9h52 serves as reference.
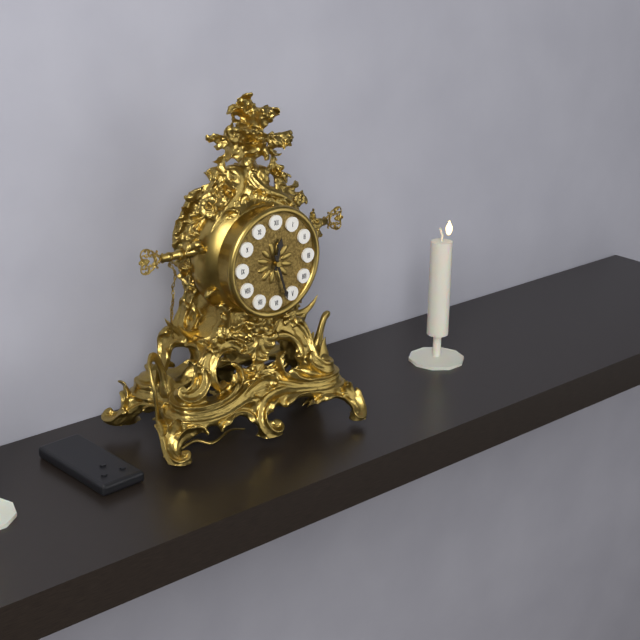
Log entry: 12h27
